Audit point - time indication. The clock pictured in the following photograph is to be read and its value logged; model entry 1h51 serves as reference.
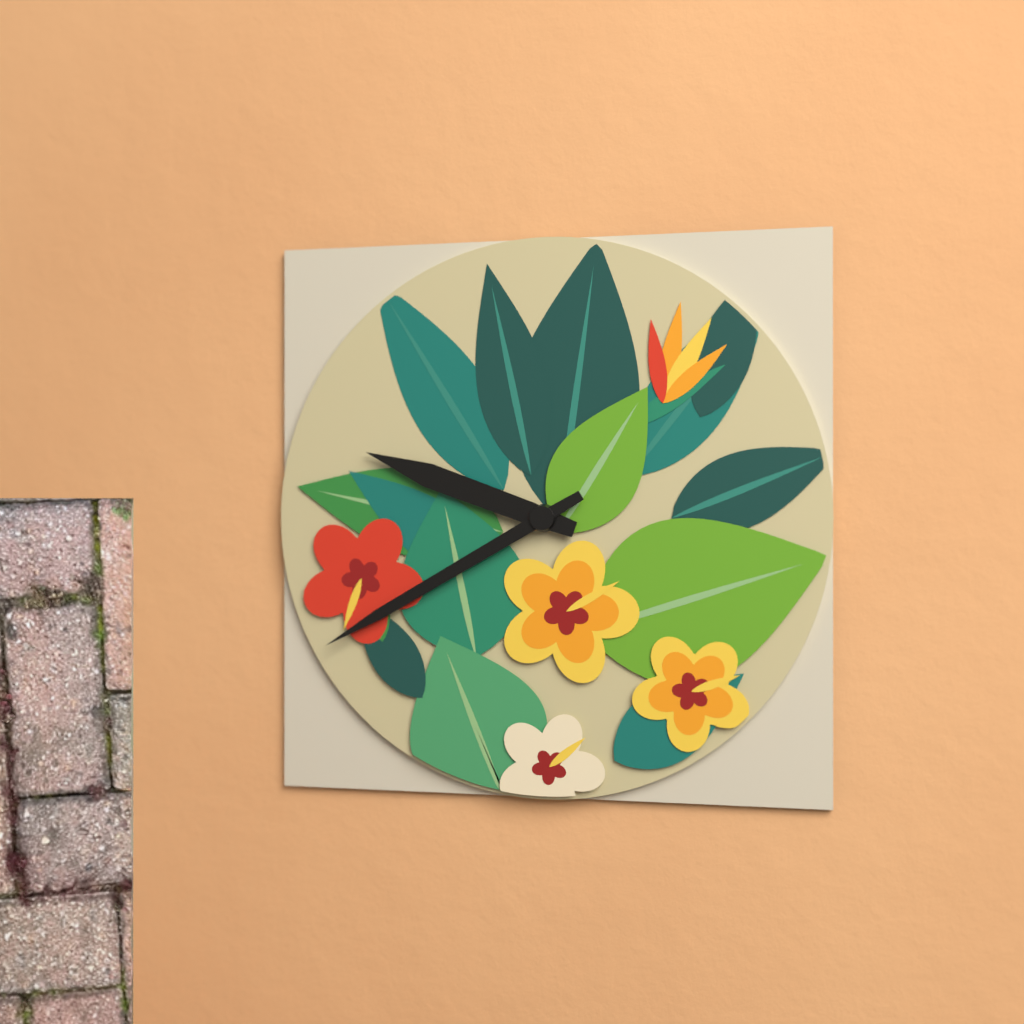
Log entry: 9h40
